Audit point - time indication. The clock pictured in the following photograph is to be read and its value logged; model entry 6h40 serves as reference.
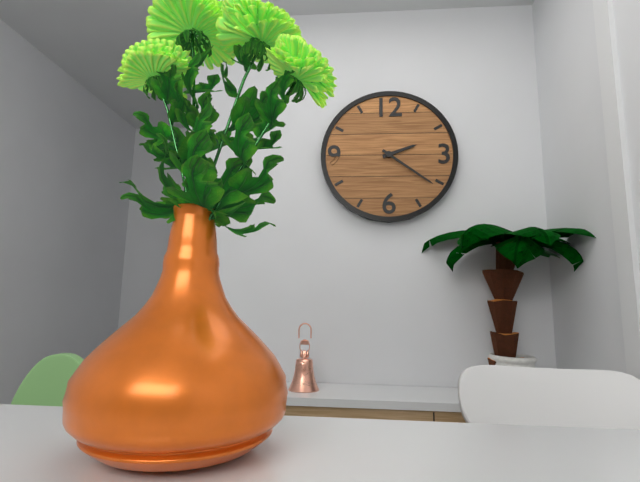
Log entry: 2h21
